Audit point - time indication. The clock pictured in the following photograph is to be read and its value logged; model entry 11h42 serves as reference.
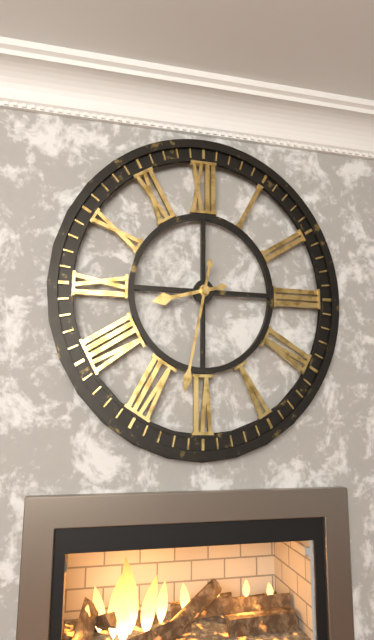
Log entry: 8h32
